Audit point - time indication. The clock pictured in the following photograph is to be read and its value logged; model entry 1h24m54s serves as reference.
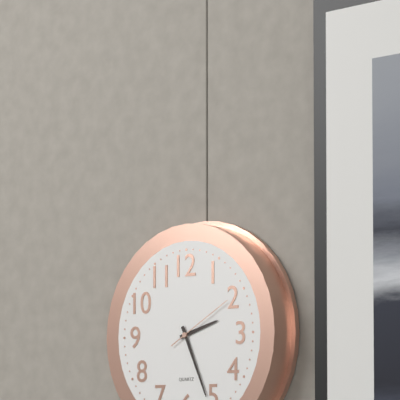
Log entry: 2h26m10s
